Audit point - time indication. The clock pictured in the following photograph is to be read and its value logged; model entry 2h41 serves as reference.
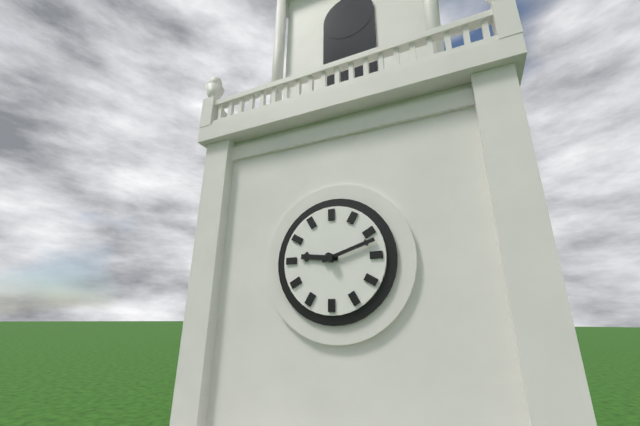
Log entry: 9h12
